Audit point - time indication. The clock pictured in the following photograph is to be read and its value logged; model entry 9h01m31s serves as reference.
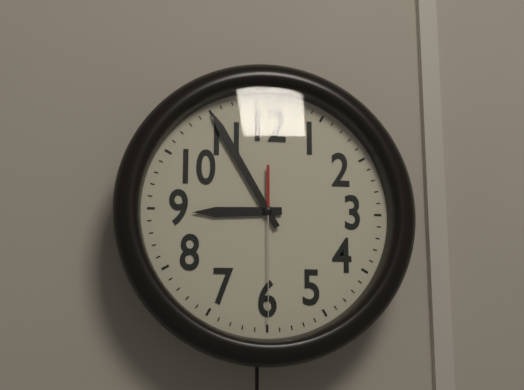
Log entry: 8h55m30s
